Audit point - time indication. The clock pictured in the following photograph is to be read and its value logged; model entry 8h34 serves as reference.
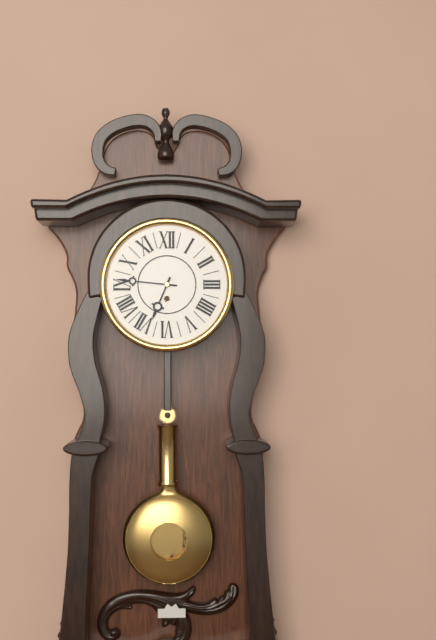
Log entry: 6h46
